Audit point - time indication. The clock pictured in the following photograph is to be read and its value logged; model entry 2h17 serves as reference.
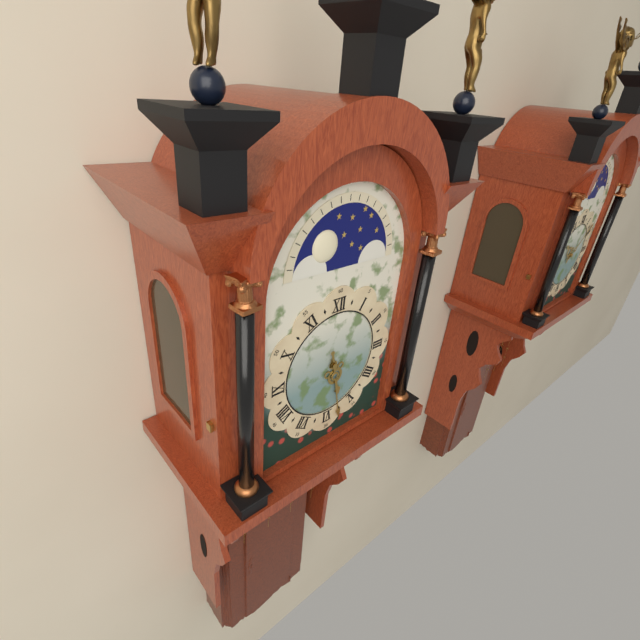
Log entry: 5h28
